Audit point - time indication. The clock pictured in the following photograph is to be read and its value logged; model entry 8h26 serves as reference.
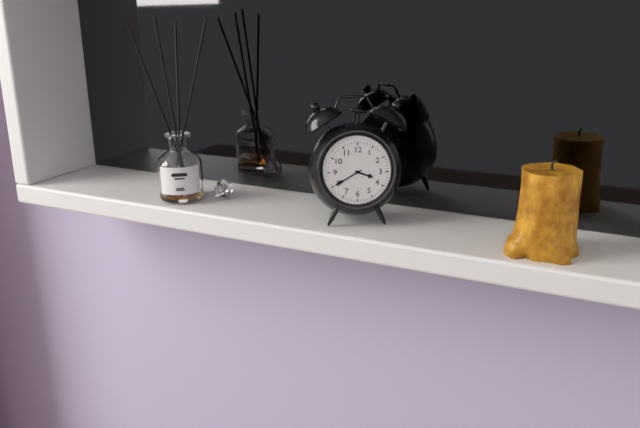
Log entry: 3h40
